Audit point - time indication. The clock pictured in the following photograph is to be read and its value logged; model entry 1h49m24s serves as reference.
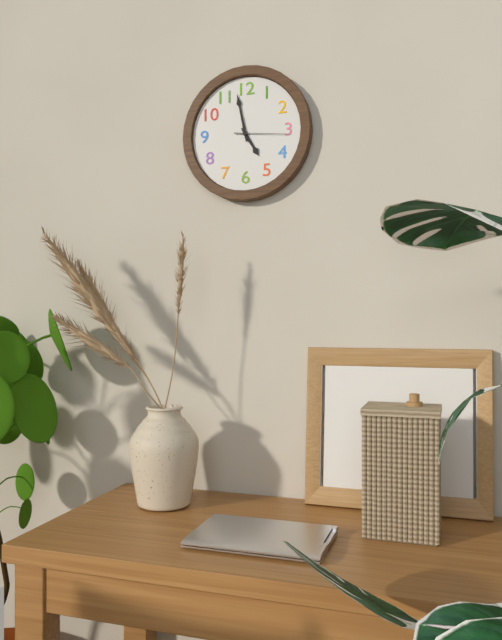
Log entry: 4h58m16s
